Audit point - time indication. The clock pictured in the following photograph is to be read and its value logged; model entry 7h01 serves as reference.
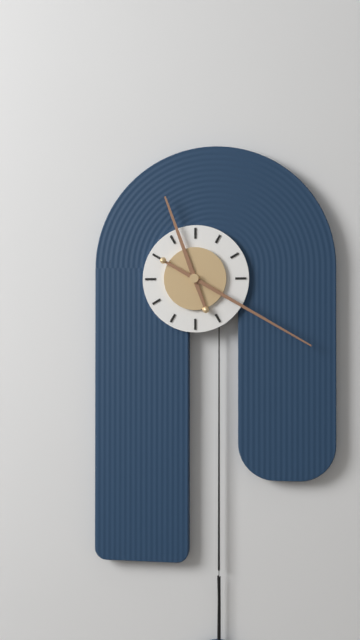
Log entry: 11h20
